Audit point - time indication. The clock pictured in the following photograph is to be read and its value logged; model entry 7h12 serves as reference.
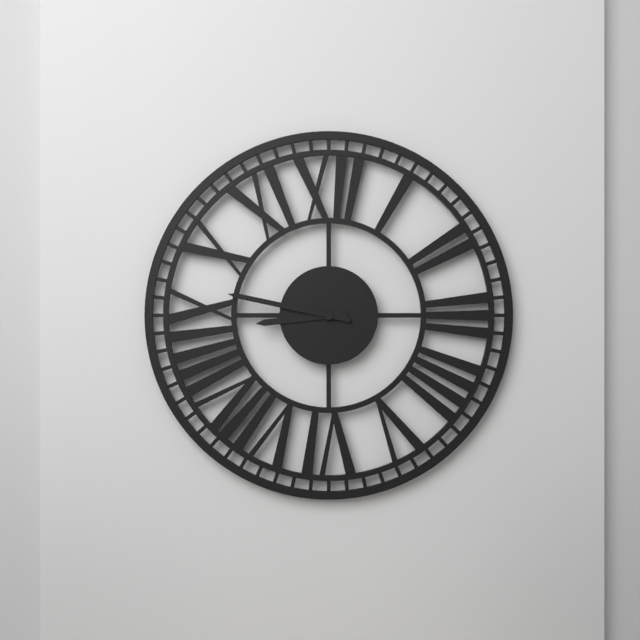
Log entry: 8h47
